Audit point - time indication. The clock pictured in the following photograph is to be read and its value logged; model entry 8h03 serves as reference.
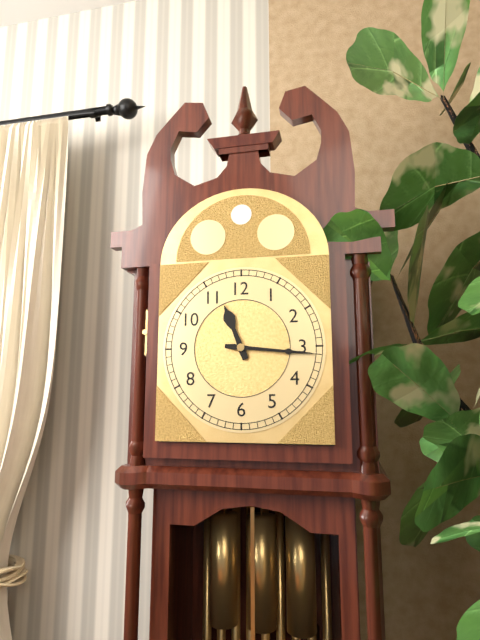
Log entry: 11h16
